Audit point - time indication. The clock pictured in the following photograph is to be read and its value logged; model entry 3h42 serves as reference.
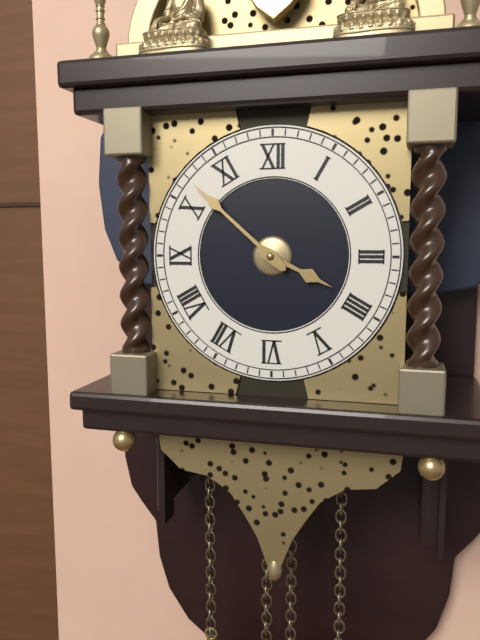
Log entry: 3h52
